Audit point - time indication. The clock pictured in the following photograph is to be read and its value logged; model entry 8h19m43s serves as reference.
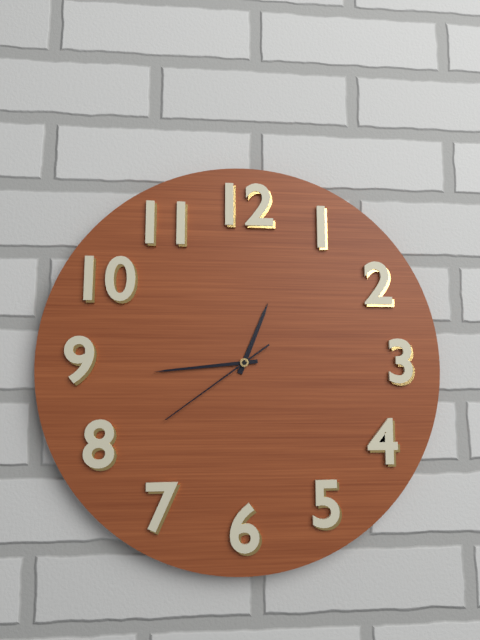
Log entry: 12h44m39s
